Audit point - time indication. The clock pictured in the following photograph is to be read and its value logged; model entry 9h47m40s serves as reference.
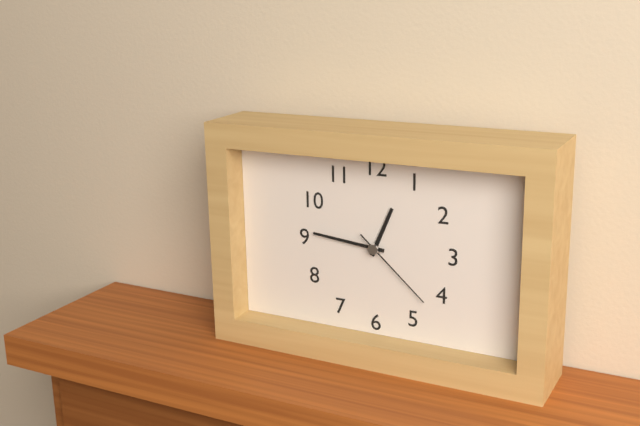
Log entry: 12h46m22s
